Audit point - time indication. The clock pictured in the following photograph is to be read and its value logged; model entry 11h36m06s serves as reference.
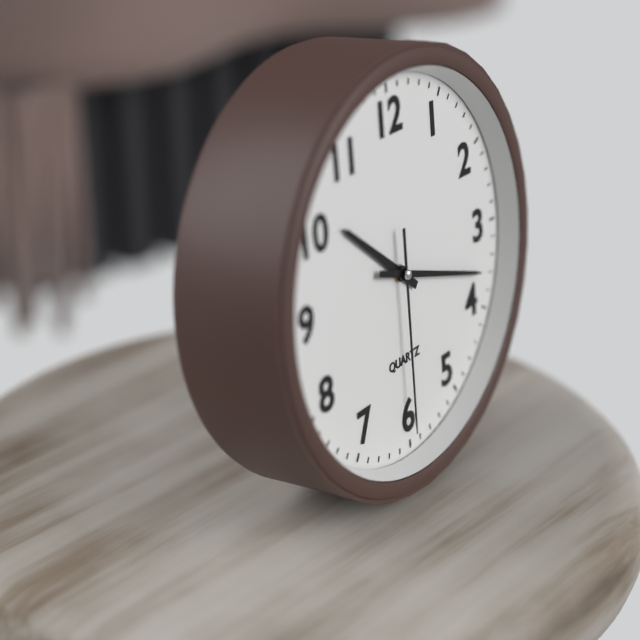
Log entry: 10h18m30s
